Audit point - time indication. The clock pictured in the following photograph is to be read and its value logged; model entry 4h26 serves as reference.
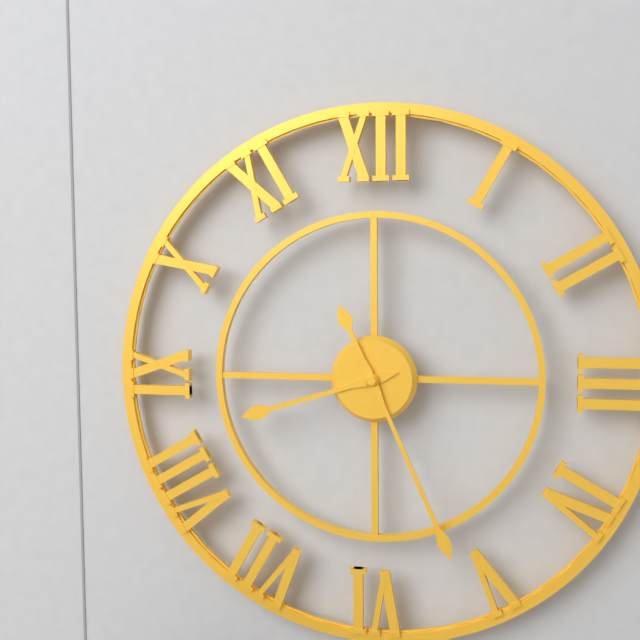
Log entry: 8h26
